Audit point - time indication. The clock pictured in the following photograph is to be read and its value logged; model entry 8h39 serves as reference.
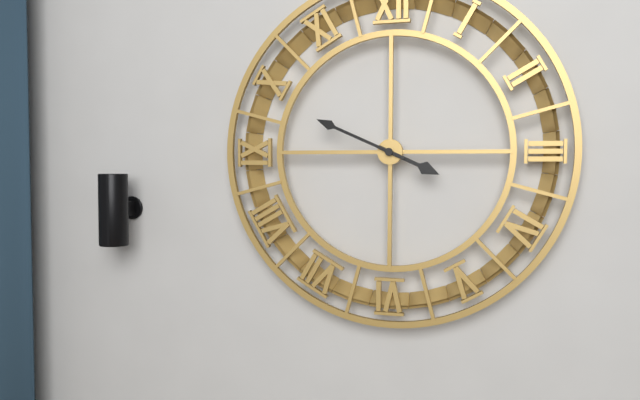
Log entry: 3h49
